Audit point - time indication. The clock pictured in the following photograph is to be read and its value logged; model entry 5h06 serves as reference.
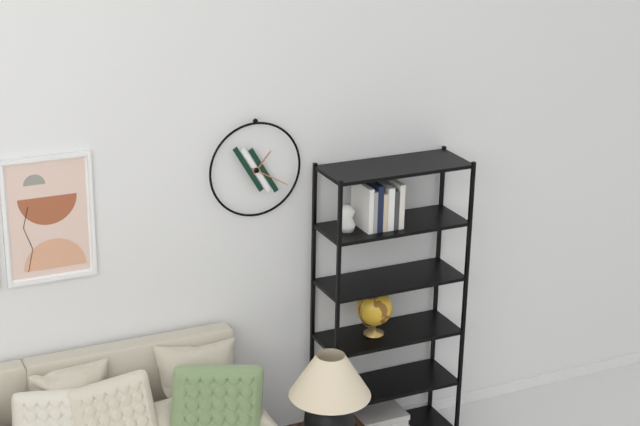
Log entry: 1h20
